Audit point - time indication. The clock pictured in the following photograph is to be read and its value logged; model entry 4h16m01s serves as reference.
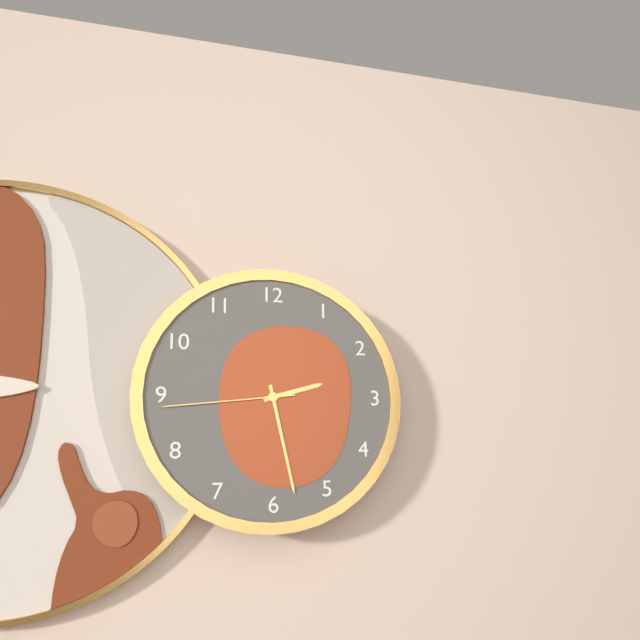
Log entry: 2h28m44s
